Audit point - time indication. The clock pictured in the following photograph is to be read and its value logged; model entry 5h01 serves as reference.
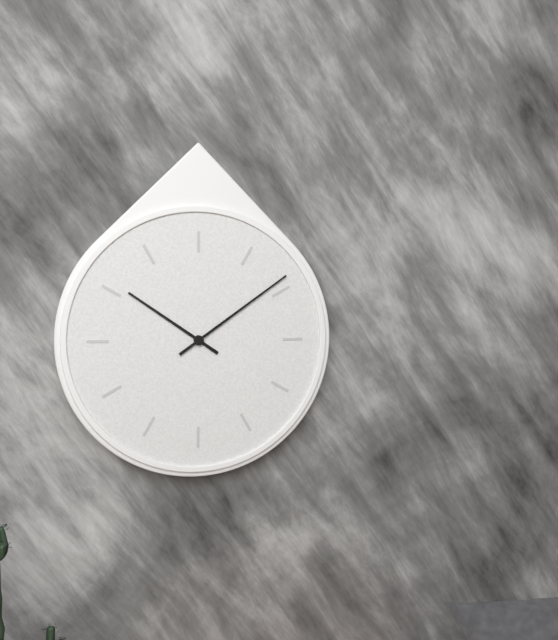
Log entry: 10h09
